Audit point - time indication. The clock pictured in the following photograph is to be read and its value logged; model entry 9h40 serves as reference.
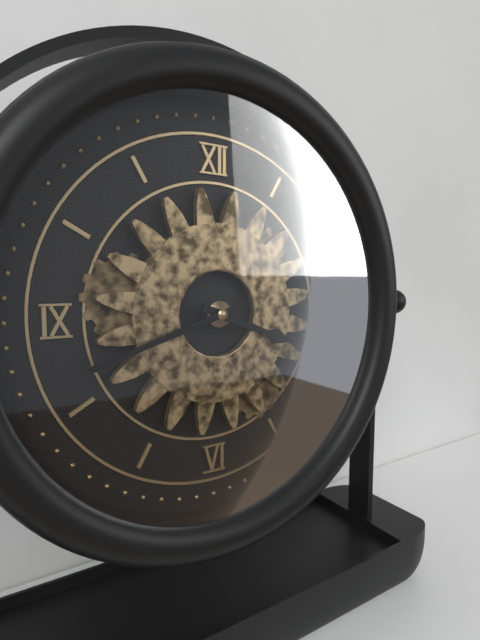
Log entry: 3h42
